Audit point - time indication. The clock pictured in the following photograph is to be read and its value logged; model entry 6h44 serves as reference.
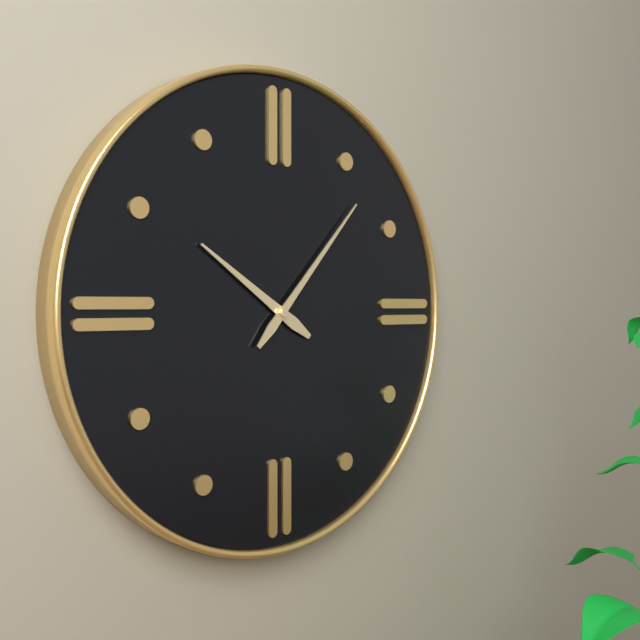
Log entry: 10h07
